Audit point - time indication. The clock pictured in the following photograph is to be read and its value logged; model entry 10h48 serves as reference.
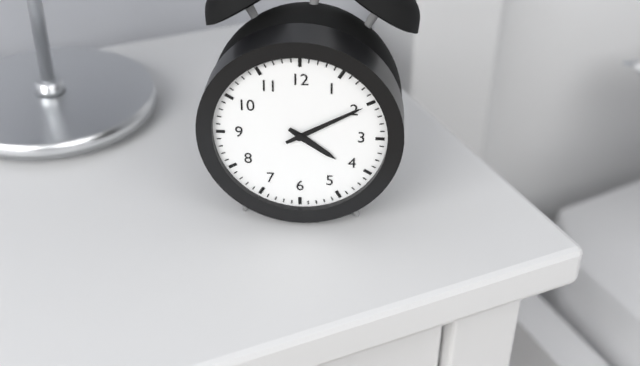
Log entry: 4h10
